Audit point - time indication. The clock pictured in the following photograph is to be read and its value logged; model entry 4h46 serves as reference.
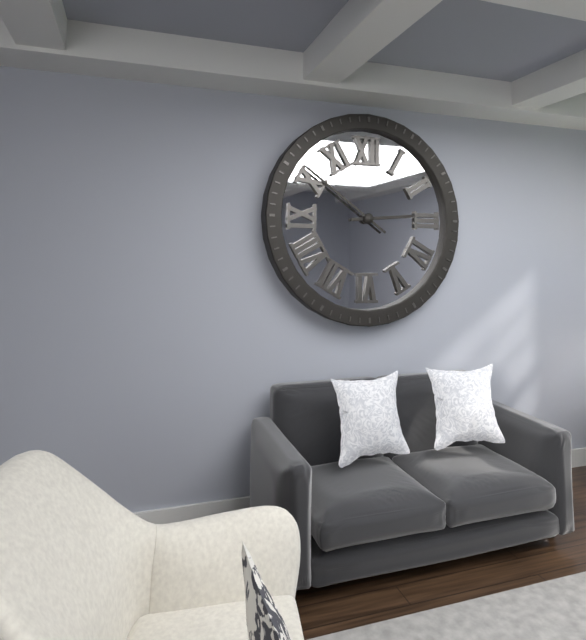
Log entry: 2h51
